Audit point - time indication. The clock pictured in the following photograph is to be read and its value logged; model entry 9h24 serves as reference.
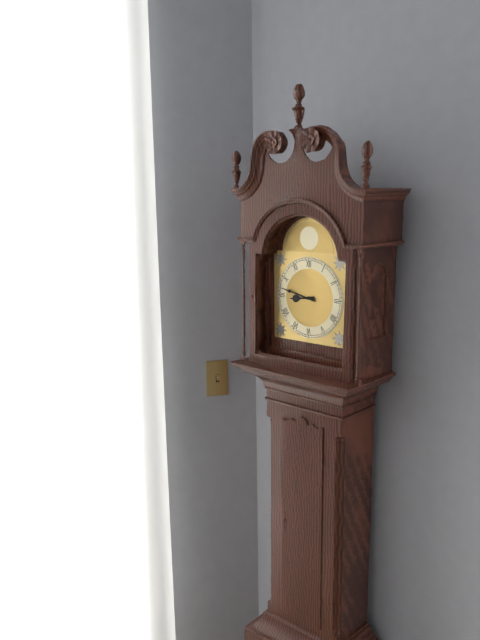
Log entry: 8h47
